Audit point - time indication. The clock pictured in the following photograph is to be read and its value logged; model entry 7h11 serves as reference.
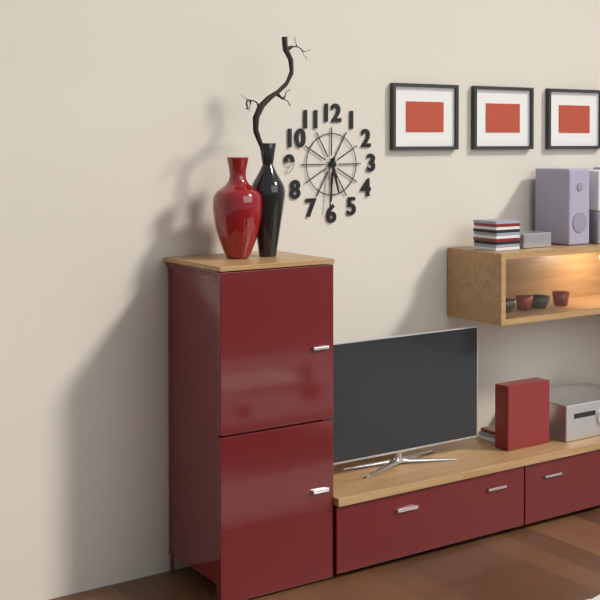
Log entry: 5h31
